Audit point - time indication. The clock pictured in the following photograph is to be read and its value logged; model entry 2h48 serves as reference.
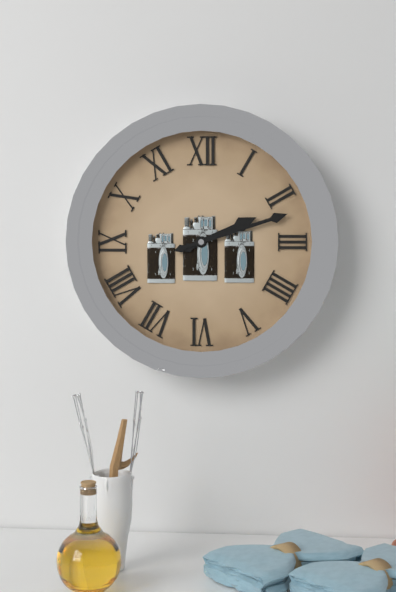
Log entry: 2h12
